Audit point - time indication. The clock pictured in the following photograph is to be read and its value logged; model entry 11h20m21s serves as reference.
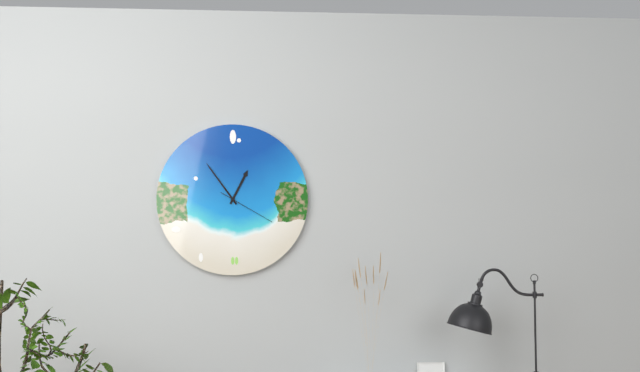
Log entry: 12h54m20s
